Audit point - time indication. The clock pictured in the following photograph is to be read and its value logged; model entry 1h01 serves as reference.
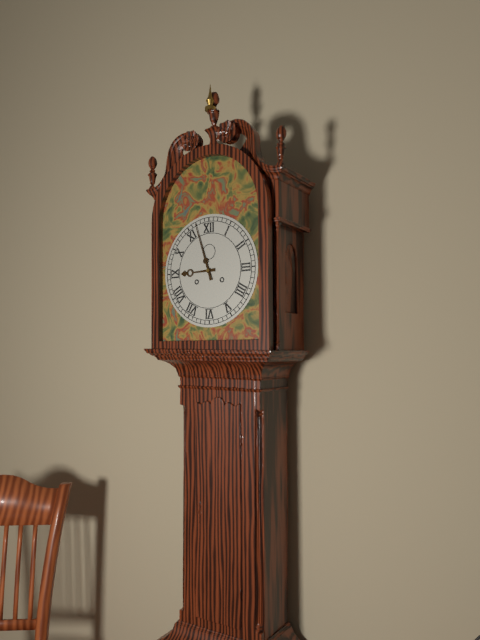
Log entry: 8h57
